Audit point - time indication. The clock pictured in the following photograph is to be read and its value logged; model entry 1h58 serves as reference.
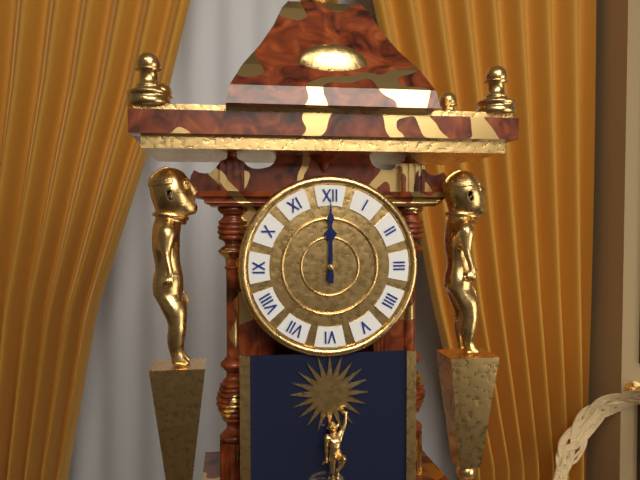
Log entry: 12h00
